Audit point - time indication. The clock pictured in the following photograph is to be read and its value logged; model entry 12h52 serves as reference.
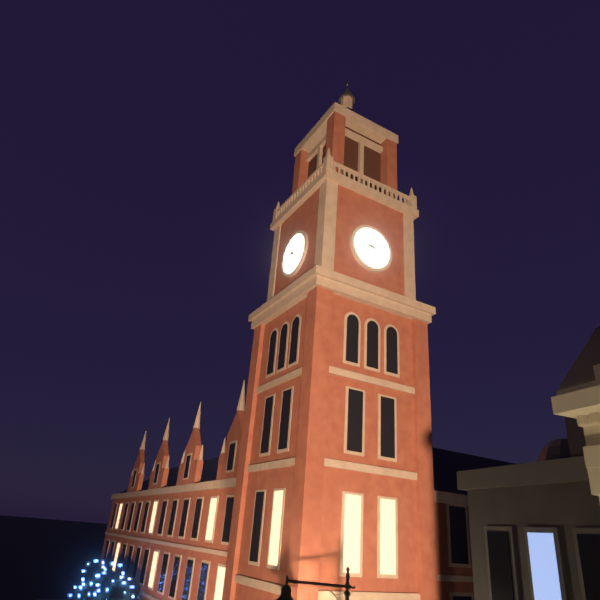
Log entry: 9h22
